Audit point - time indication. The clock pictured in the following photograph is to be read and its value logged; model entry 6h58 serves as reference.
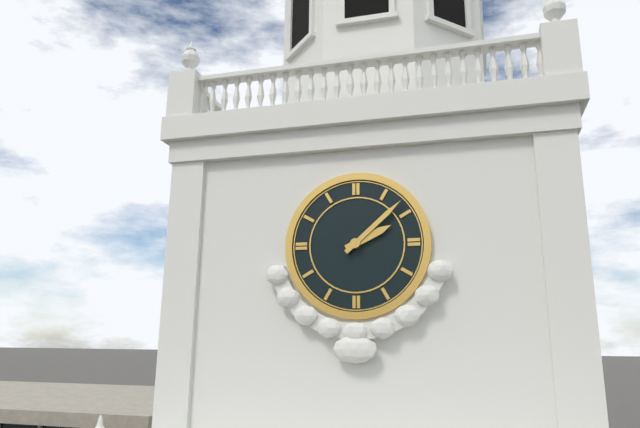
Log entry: 2h08
